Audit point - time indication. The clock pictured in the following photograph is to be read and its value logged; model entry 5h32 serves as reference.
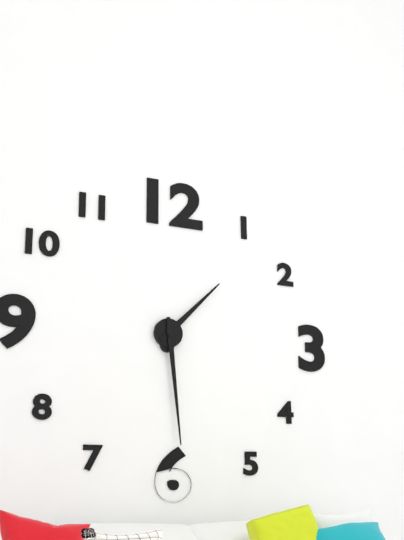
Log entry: 1h29
